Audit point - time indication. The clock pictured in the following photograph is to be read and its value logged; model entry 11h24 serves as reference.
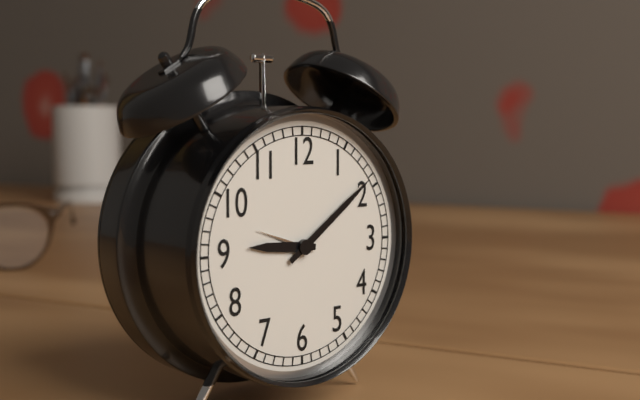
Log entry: 9h09
